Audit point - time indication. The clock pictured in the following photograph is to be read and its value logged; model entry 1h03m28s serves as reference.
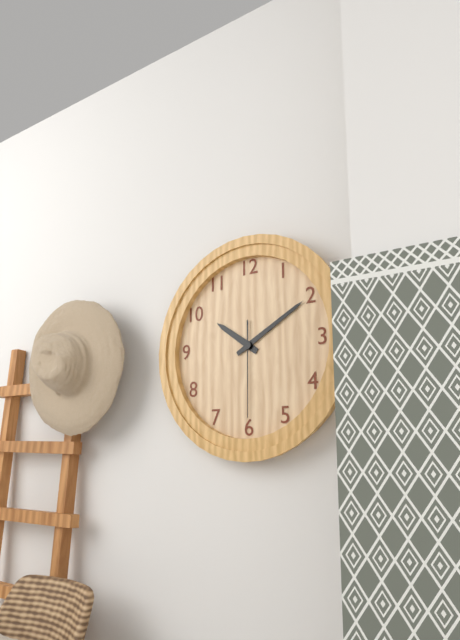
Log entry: 10h10m30s
